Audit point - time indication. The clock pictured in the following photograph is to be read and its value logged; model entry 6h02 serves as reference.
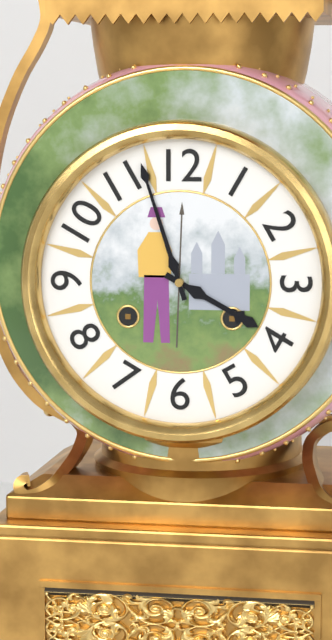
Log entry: 3h57
